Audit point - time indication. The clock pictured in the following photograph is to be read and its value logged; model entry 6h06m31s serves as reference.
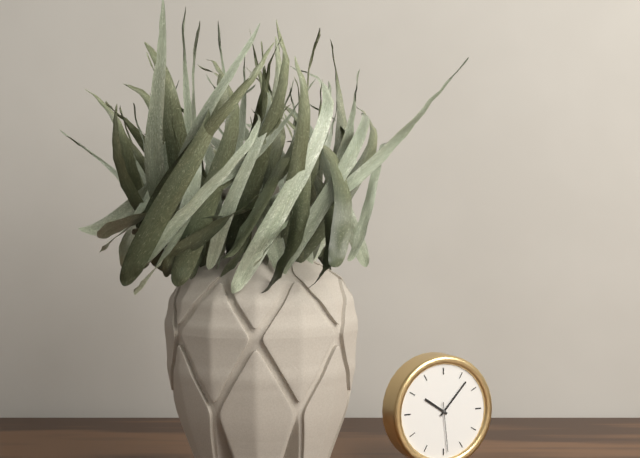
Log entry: 10h07m29s
